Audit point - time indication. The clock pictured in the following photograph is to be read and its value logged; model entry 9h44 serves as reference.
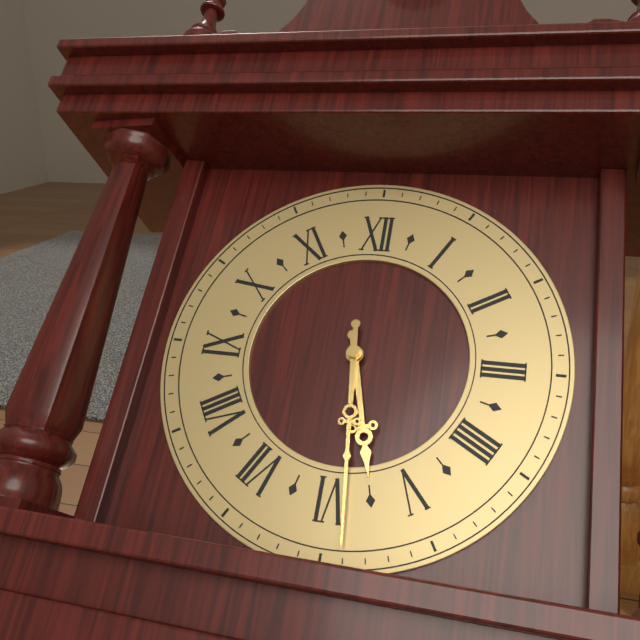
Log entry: 5h29
